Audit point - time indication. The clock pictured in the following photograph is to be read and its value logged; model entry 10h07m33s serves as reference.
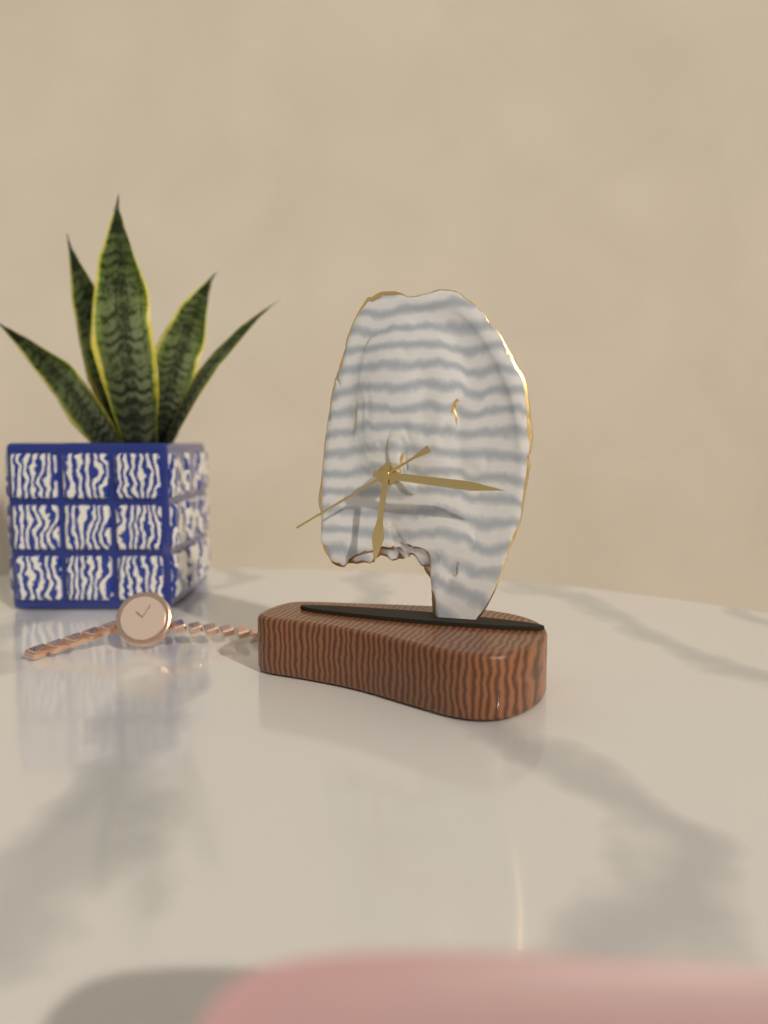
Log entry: 6h16m40s
